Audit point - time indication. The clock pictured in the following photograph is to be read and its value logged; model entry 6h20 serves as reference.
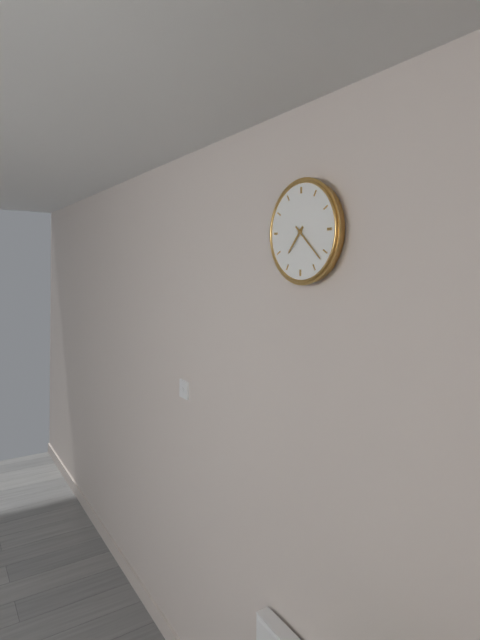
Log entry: 7h22
